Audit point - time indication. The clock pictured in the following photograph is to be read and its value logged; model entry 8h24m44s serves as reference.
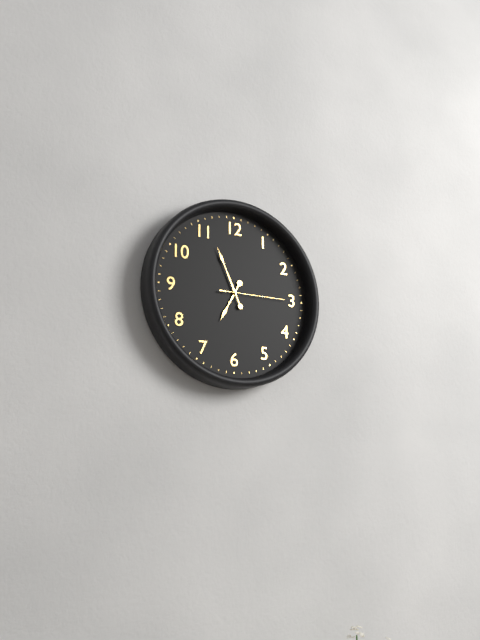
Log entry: 6h56m15s
